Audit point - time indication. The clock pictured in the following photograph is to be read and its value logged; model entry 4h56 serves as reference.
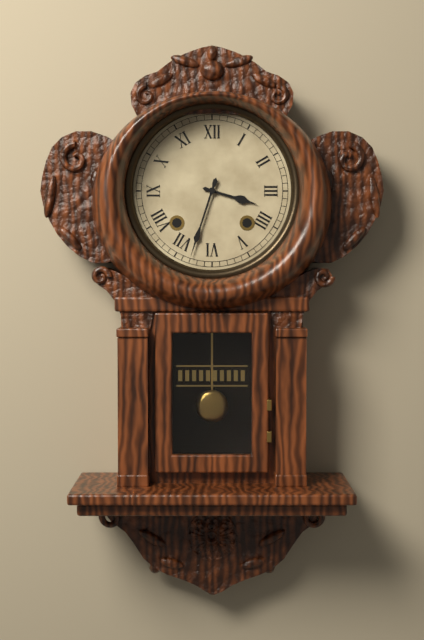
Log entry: 3h33
